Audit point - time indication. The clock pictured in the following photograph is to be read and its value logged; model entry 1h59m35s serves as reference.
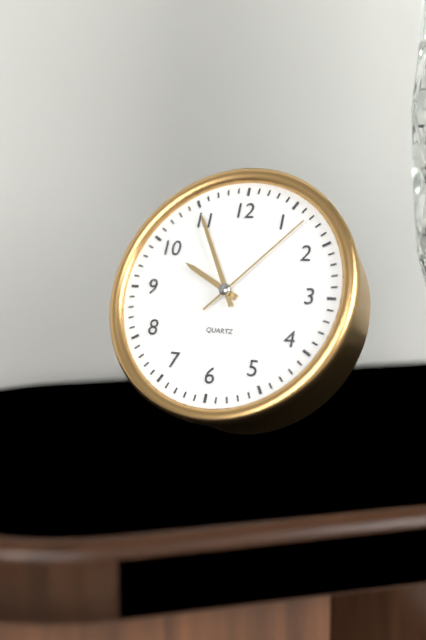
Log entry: 9h55m07s
